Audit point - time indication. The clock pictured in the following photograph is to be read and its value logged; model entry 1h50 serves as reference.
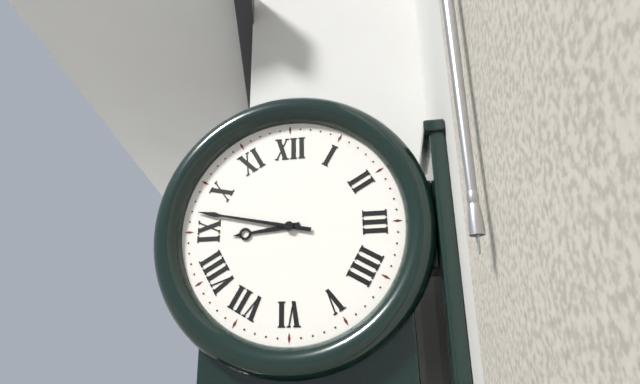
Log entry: 8h47
